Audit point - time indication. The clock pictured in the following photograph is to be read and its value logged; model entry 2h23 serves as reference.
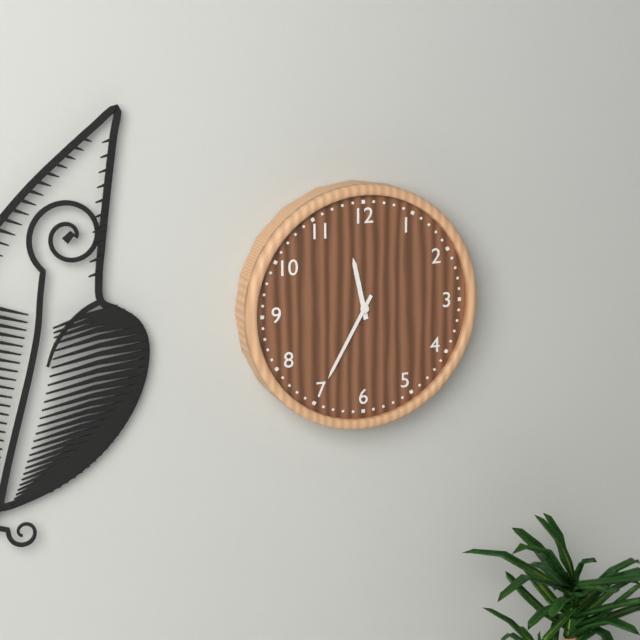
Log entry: 11h35
